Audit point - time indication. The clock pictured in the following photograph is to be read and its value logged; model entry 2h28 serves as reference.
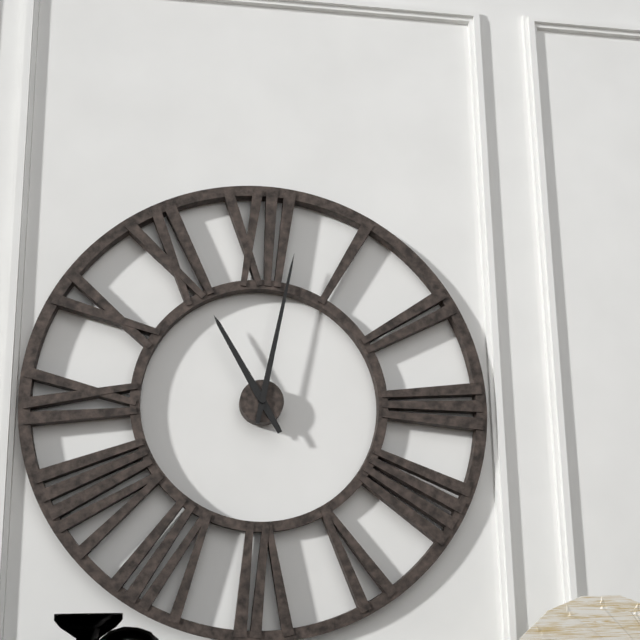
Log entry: 11h02
